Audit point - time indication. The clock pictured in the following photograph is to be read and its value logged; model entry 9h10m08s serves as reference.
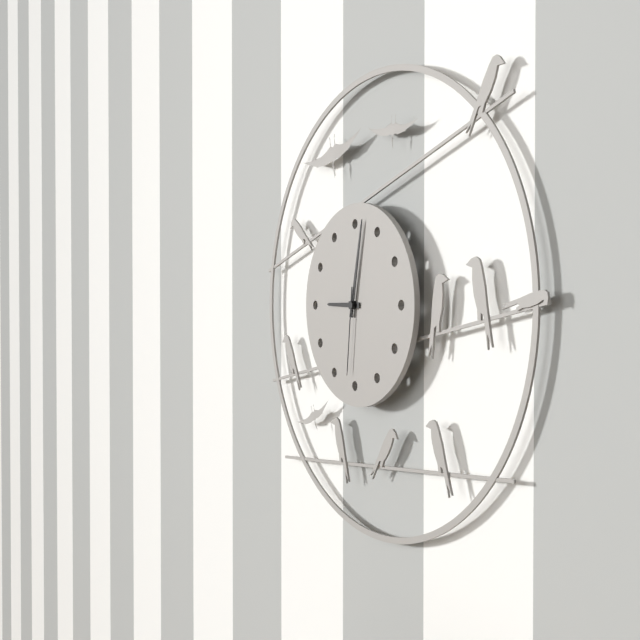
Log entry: 9h02m31s
